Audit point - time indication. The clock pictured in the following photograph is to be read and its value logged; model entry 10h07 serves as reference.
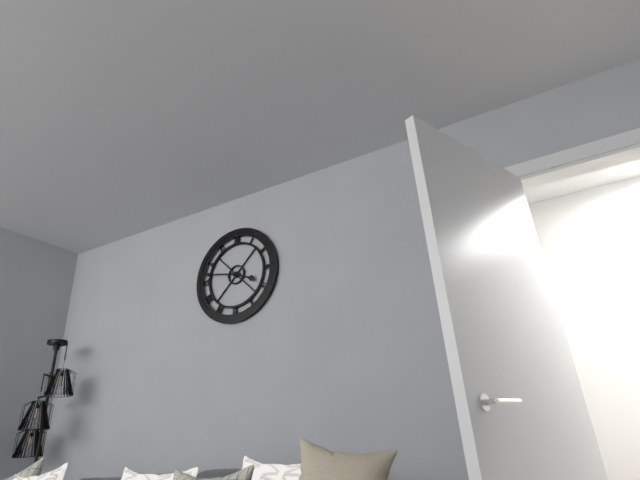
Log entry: 3h47
